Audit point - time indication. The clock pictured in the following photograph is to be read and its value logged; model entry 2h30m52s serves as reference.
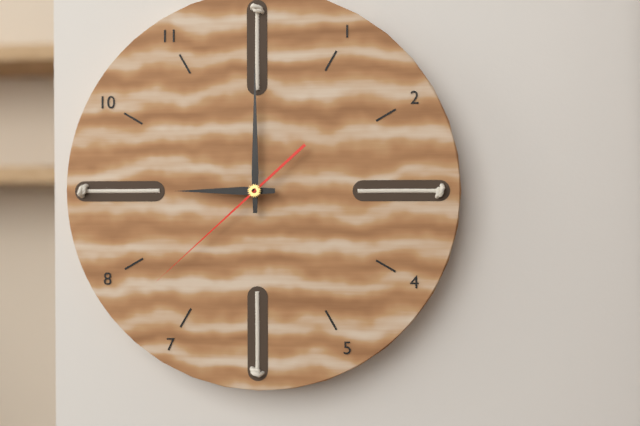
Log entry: 9h00m38s
